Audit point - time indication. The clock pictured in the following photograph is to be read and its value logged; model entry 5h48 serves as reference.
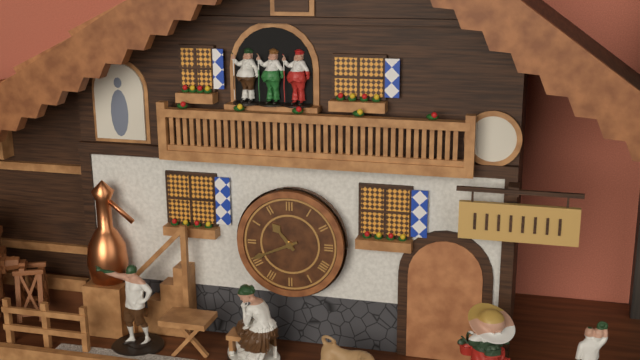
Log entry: 10h41
